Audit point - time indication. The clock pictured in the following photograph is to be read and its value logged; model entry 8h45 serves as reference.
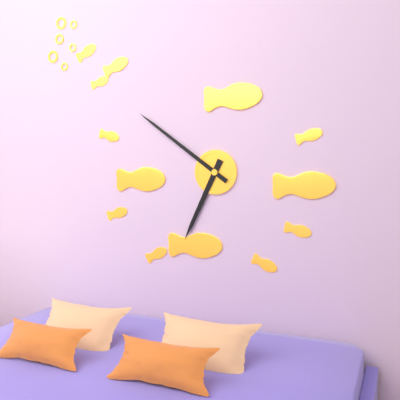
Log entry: 6h51
